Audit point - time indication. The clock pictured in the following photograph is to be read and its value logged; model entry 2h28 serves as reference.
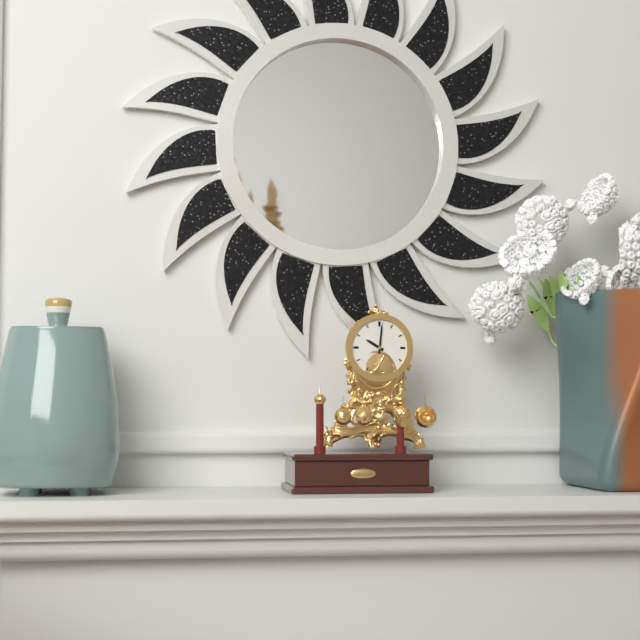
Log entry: 10h01
